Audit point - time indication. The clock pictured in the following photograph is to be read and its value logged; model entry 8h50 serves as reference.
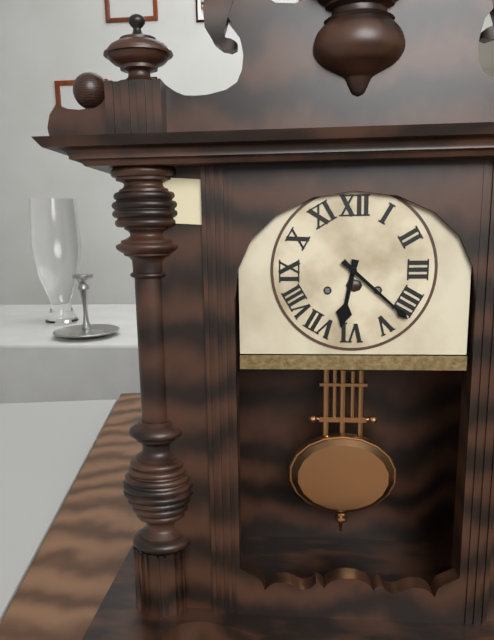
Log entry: 6h22
